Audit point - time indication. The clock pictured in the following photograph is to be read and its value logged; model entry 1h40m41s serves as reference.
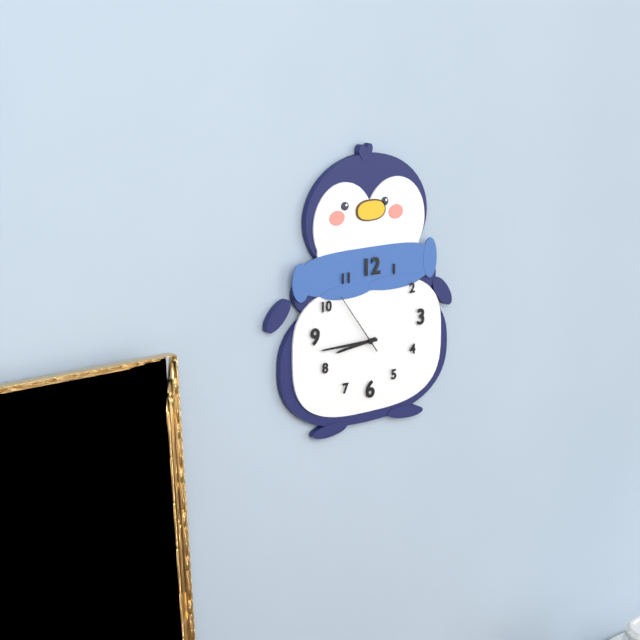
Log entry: 8h45m54s
